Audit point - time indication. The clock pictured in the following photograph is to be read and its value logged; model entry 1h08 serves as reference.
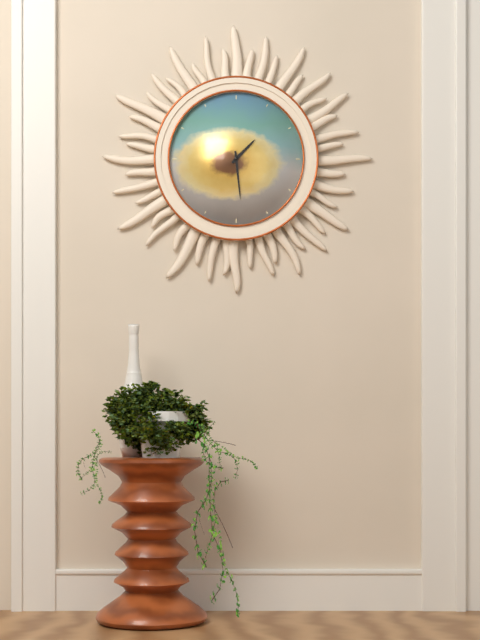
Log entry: 1h29
